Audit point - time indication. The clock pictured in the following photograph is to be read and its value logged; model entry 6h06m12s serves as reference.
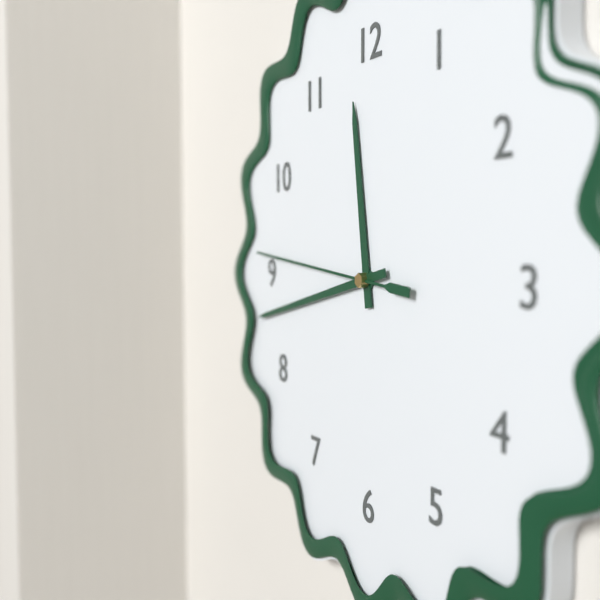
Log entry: 11h43m46s
